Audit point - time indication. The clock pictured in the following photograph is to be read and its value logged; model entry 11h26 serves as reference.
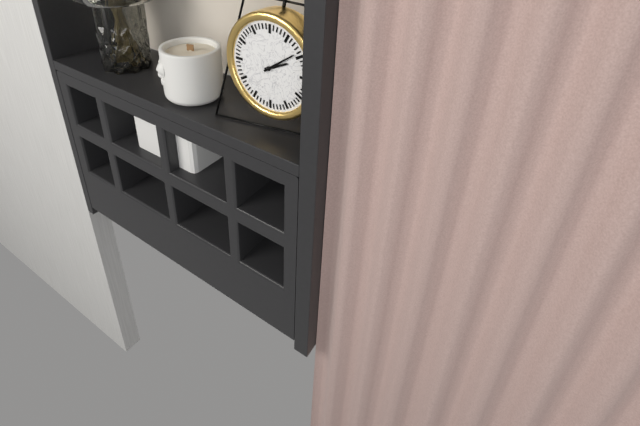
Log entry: 2h09
